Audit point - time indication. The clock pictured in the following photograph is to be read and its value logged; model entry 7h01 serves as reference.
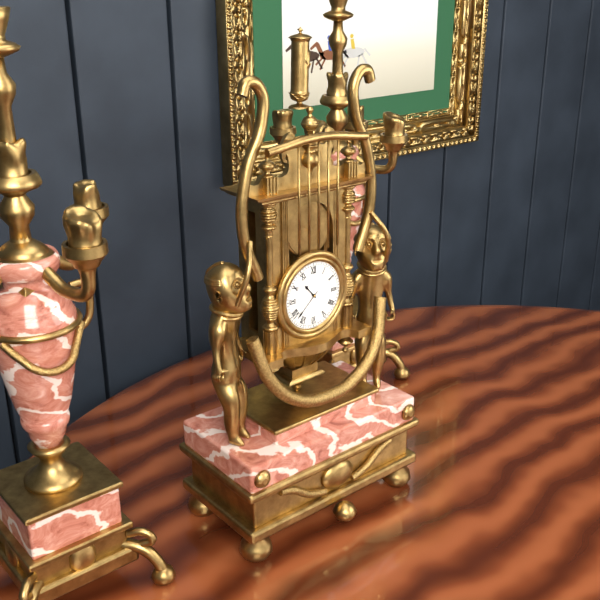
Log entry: 10h38
